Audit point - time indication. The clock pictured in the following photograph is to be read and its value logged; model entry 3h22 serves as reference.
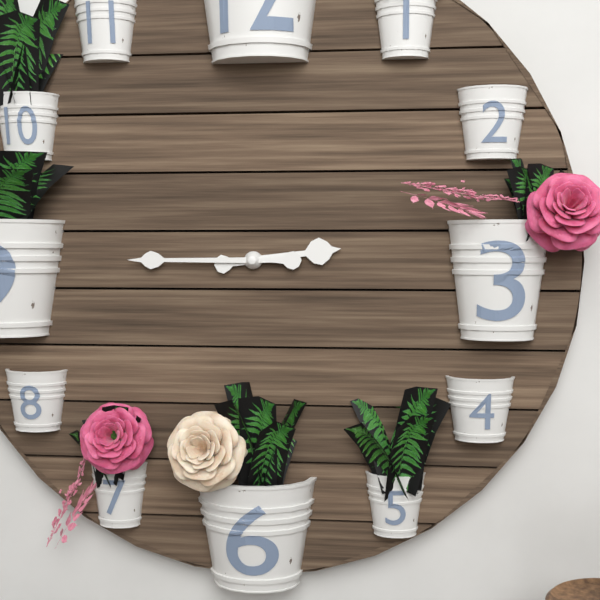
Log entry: 2h45
